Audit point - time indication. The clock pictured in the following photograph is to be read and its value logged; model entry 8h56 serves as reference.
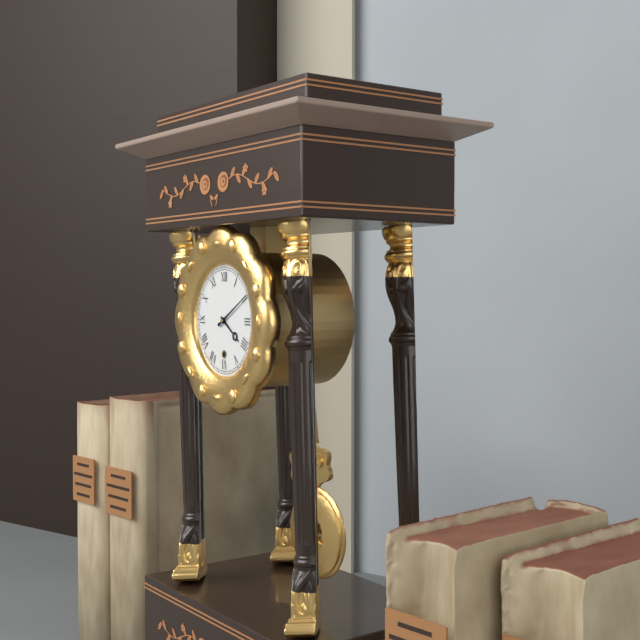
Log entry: 4h10
